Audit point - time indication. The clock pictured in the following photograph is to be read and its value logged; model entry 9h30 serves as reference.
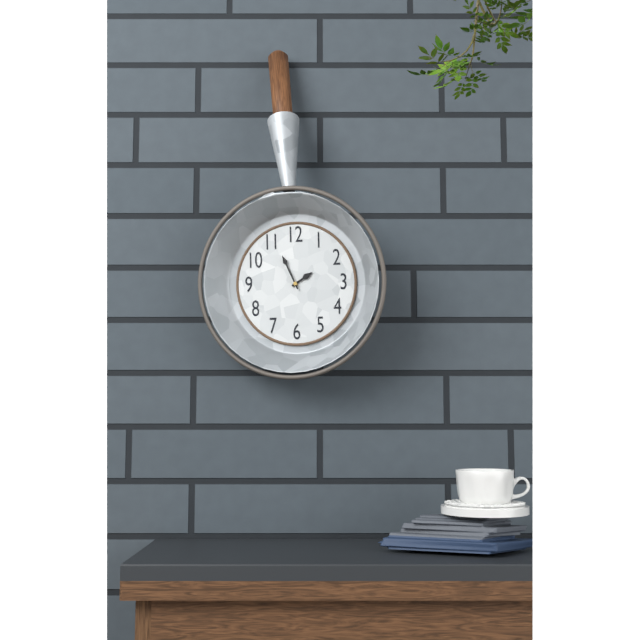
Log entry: 1h56
